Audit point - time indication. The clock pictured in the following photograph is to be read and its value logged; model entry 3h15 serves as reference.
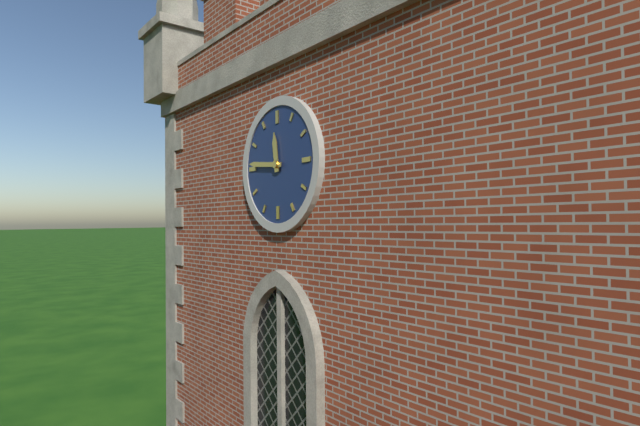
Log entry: 11h46
